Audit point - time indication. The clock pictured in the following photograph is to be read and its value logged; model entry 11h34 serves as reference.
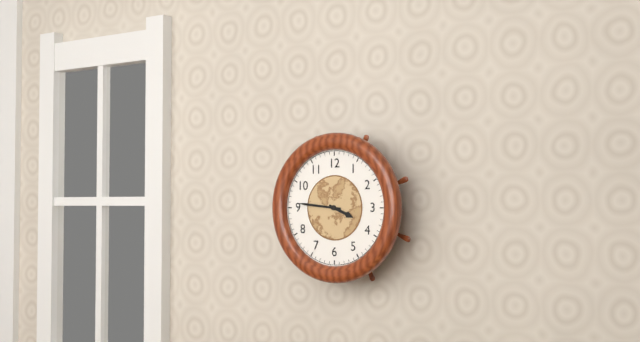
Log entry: 3h46
